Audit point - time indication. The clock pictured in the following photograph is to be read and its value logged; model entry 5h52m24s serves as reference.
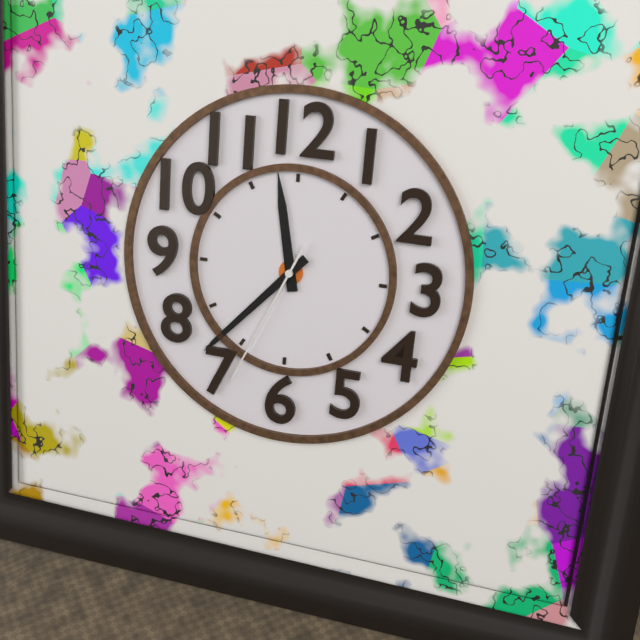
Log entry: 11h37m34s
